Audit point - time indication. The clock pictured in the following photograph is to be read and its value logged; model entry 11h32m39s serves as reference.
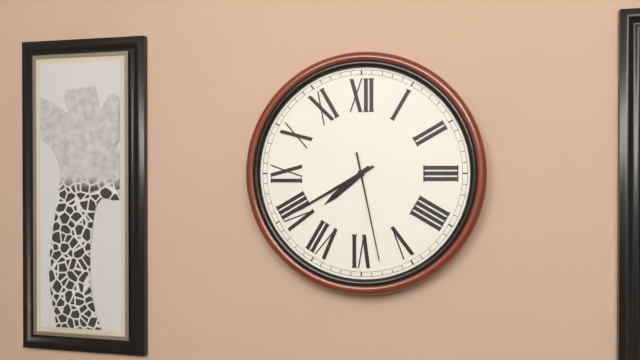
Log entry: 7h40m28s
